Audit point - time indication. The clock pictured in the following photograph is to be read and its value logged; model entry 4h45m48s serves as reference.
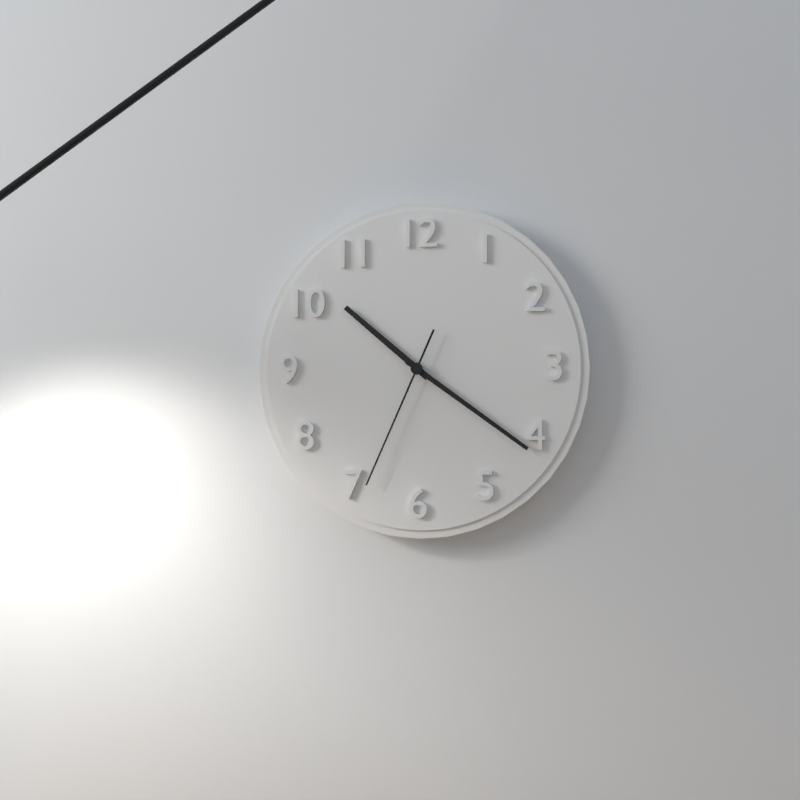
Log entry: 10h21m34s
